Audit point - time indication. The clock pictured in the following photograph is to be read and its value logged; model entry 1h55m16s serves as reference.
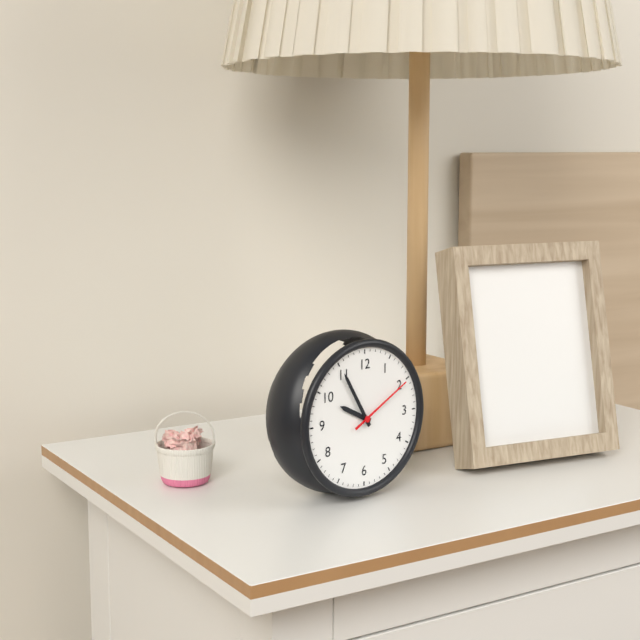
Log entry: 9h55m10s
